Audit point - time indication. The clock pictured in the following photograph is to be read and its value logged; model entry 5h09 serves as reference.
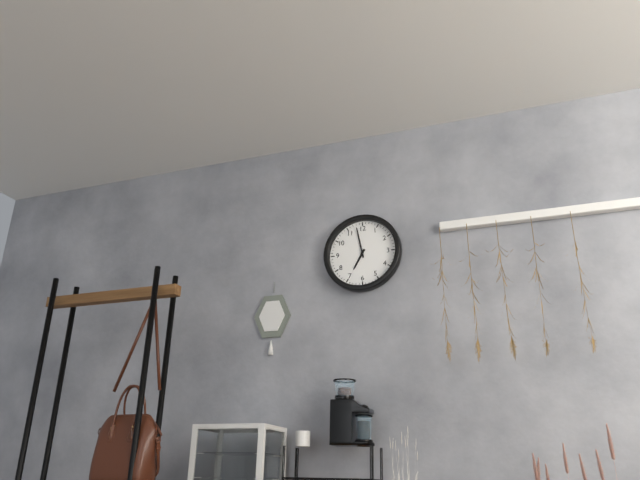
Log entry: 6h58
